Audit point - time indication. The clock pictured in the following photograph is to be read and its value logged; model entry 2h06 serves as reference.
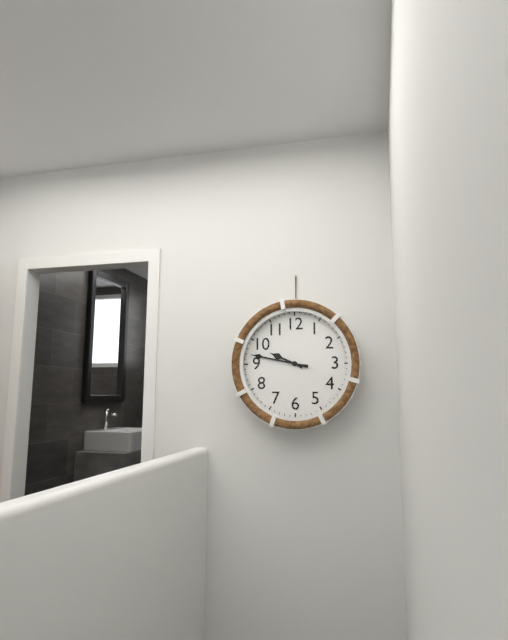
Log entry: 9h47
